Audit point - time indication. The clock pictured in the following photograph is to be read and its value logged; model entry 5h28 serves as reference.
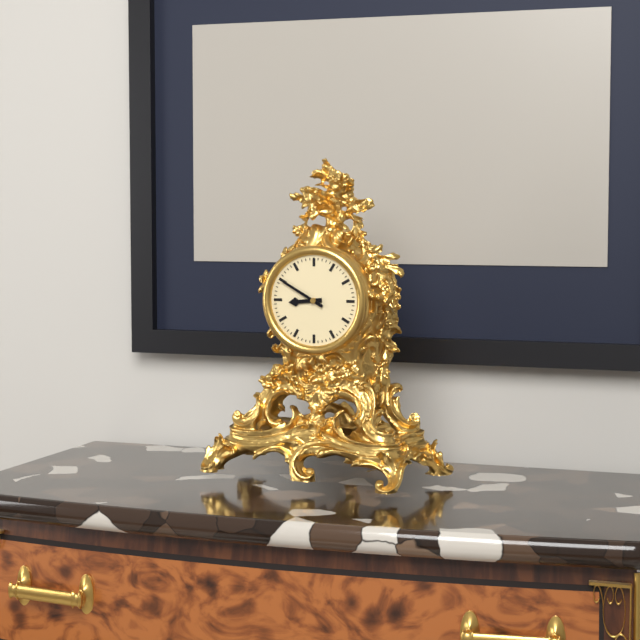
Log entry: 8h50
